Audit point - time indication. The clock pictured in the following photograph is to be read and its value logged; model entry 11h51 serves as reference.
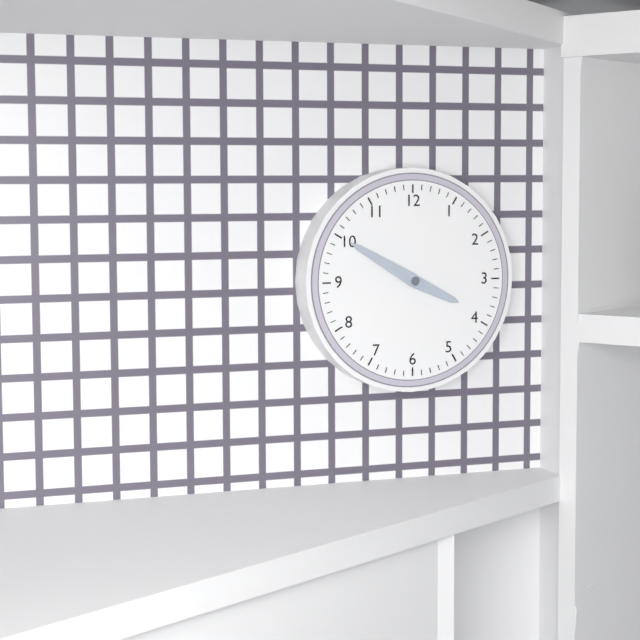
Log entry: 3h50
